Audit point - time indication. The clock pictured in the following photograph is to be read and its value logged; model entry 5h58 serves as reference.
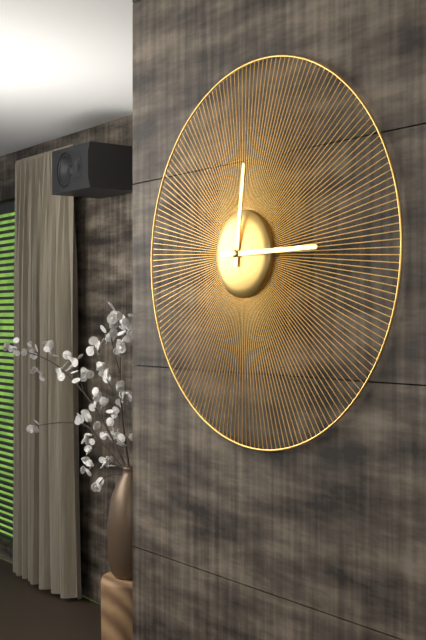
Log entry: 12h15
